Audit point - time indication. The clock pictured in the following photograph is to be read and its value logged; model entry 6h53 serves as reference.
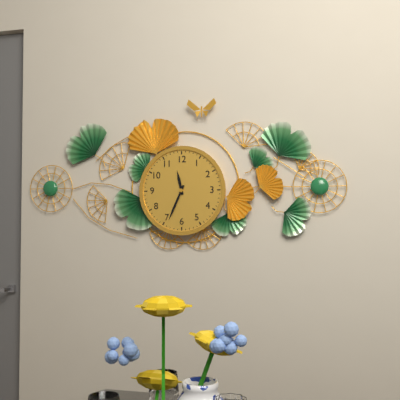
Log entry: 11h34
